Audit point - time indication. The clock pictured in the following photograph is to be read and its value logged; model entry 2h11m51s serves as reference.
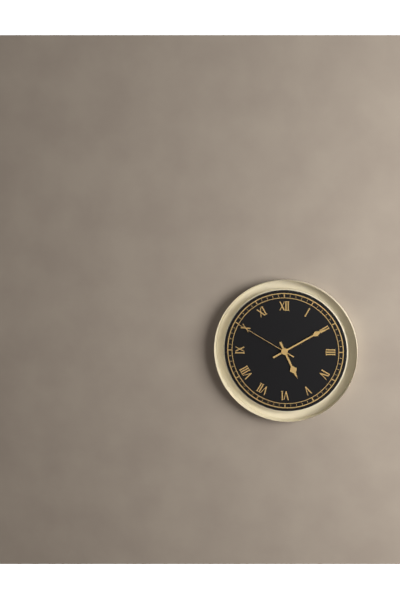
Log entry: 5h10m50s
